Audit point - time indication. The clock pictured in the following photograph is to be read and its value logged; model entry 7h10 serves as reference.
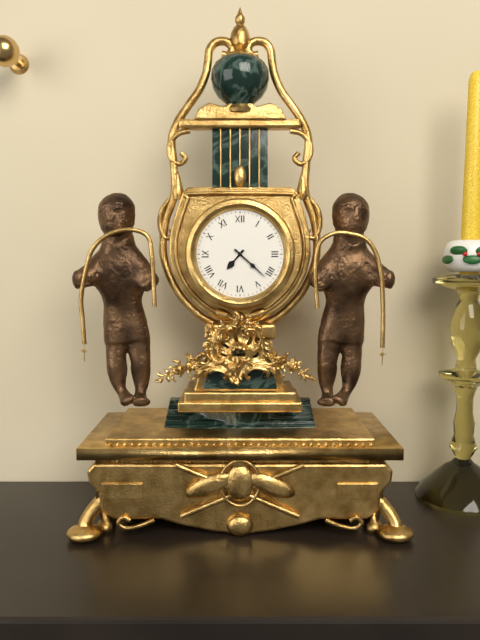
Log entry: 7h22
